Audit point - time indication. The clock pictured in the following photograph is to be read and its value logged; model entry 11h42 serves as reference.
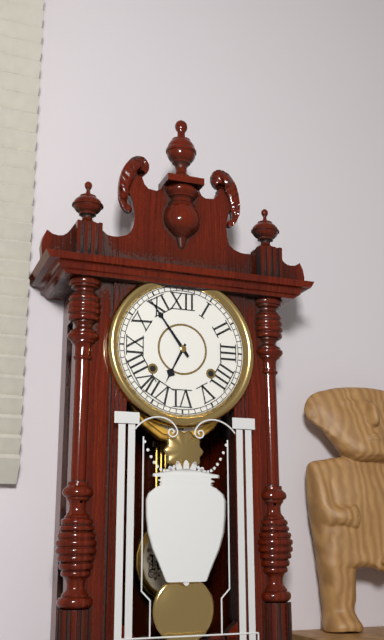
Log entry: 6h54
